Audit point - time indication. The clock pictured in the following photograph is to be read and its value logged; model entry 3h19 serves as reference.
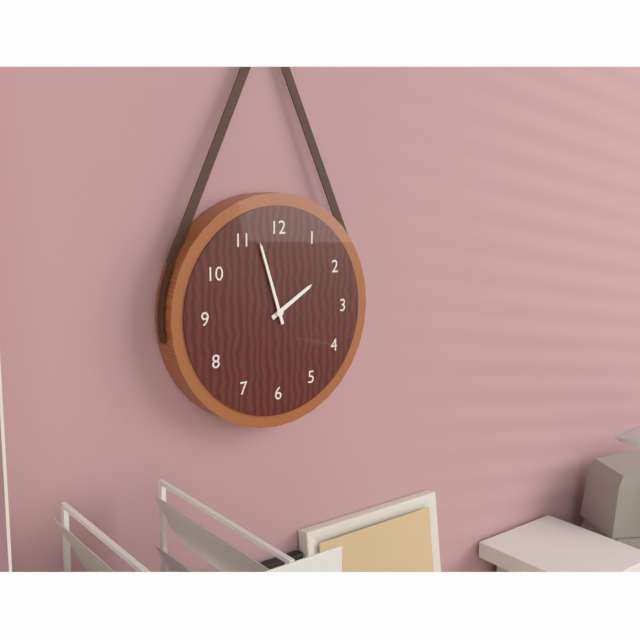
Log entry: 1h57
